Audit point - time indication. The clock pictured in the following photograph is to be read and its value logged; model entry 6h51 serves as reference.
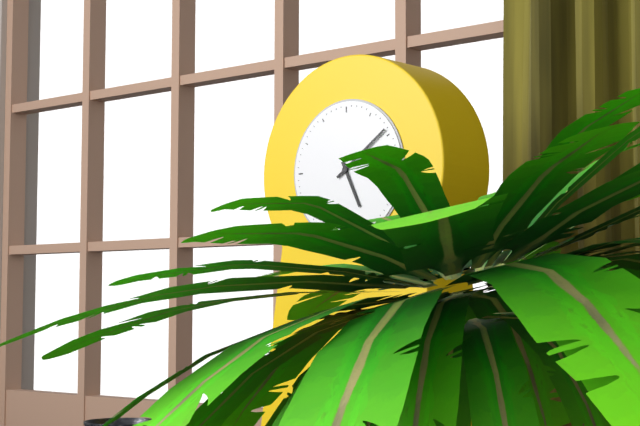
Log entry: 5h09
